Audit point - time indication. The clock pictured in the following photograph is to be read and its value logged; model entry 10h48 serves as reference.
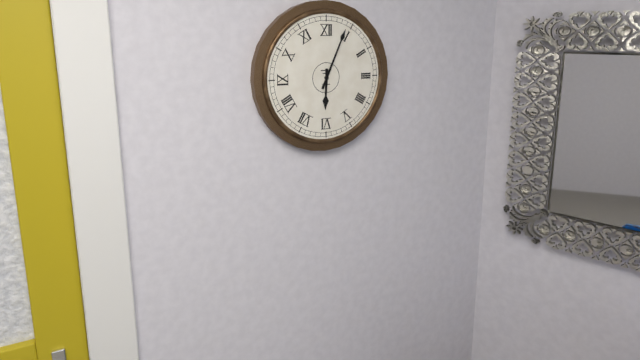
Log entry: 6h04
